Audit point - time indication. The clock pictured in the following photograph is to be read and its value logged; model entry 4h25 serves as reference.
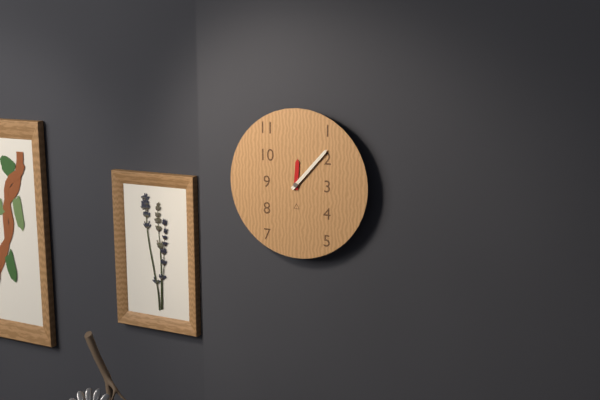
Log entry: 12h07
